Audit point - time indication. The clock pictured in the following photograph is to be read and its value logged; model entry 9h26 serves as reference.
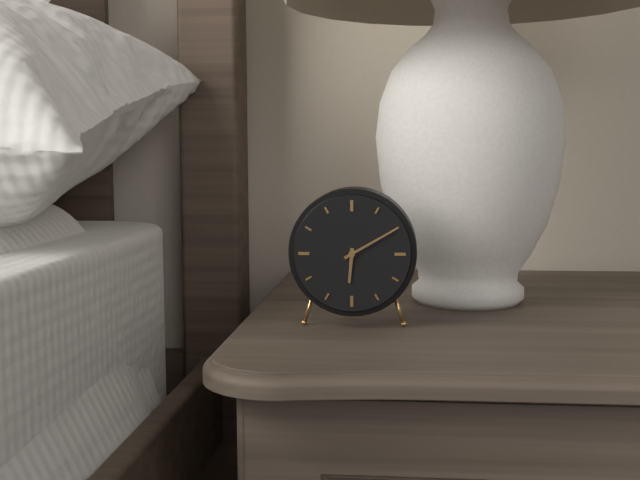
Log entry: 6h10
